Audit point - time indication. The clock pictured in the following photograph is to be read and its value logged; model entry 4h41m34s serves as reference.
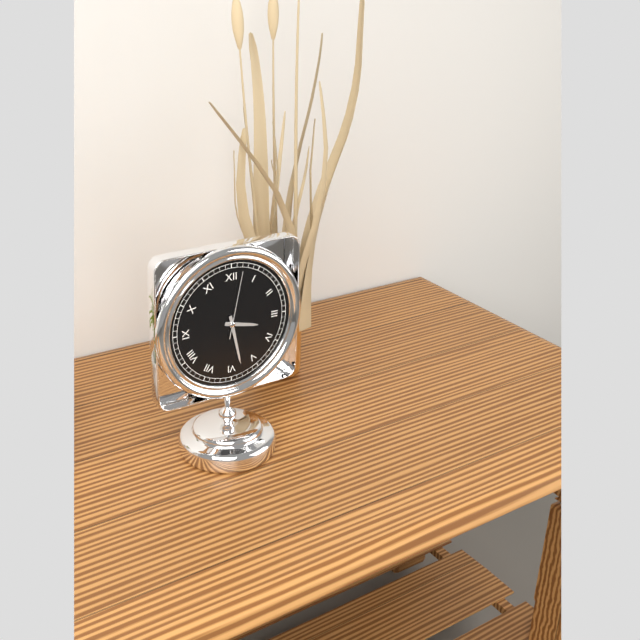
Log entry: 3h28m02s
